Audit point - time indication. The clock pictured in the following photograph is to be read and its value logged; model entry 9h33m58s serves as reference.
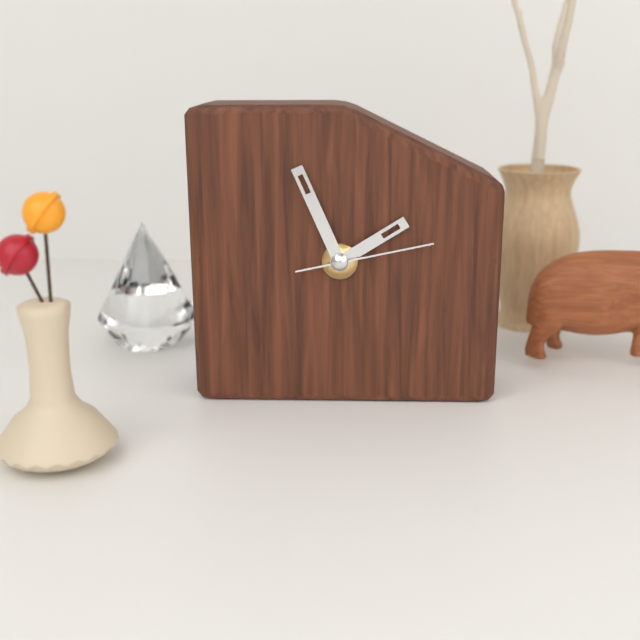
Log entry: 1h56m13s
